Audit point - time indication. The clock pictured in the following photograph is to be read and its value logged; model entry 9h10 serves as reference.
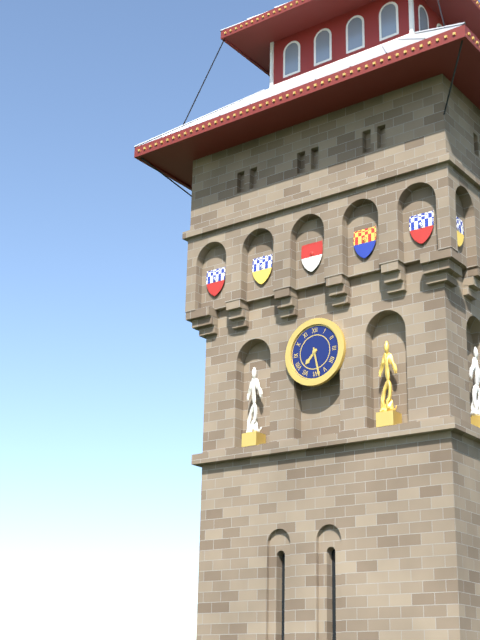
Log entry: 7h28
